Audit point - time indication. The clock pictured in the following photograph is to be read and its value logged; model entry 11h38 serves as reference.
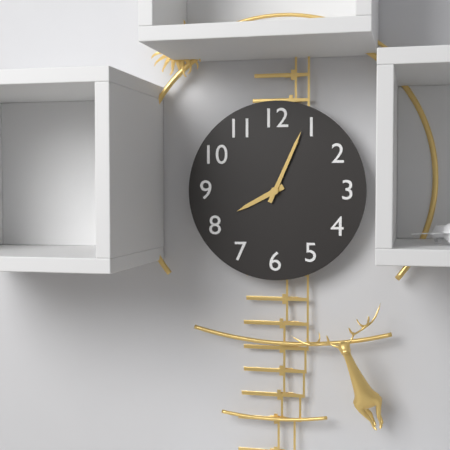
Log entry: 8h04
